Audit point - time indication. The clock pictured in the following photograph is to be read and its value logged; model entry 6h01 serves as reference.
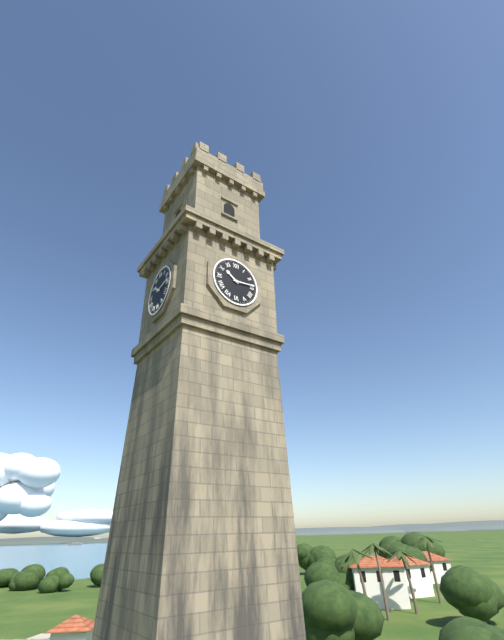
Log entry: 10h14
